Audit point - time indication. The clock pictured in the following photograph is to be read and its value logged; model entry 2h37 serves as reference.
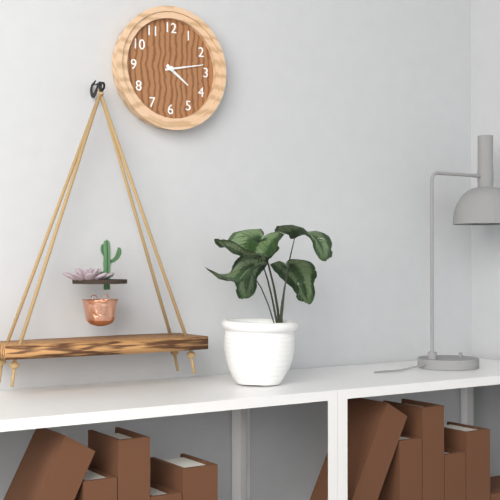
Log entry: 4h13
